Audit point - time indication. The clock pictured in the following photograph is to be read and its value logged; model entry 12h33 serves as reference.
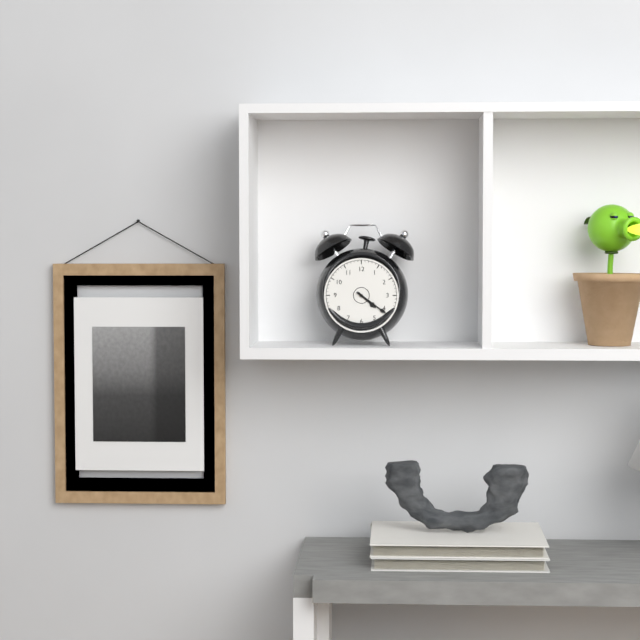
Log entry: 4h21
